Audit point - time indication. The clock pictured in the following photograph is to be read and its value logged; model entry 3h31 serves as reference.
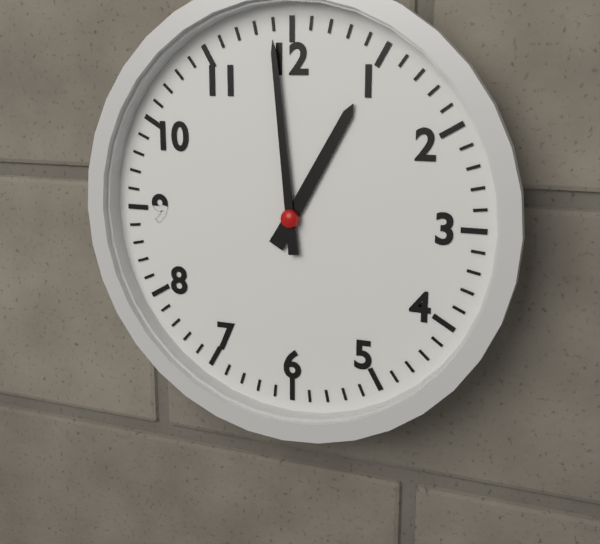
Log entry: 12h59
